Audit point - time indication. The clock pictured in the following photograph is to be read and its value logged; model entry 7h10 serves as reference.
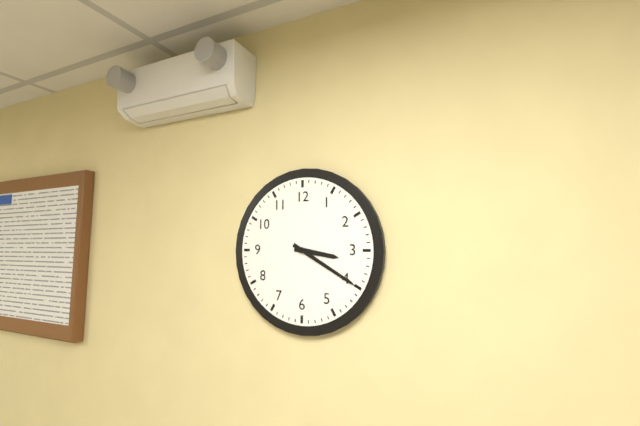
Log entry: 3h20
